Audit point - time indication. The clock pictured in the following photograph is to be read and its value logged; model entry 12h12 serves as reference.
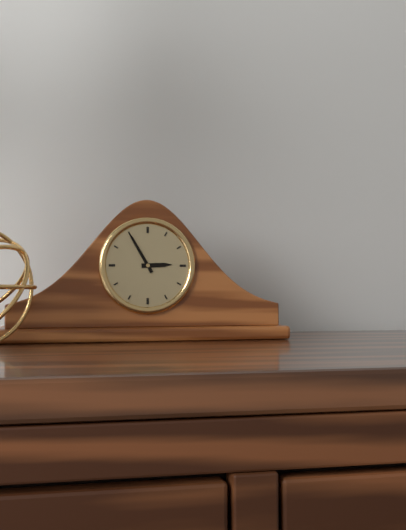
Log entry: 2h55
